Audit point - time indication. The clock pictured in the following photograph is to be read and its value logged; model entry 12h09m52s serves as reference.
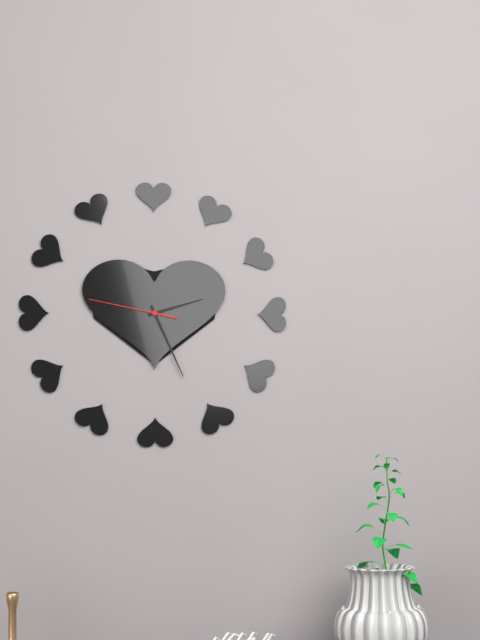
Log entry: 2h26m47s
